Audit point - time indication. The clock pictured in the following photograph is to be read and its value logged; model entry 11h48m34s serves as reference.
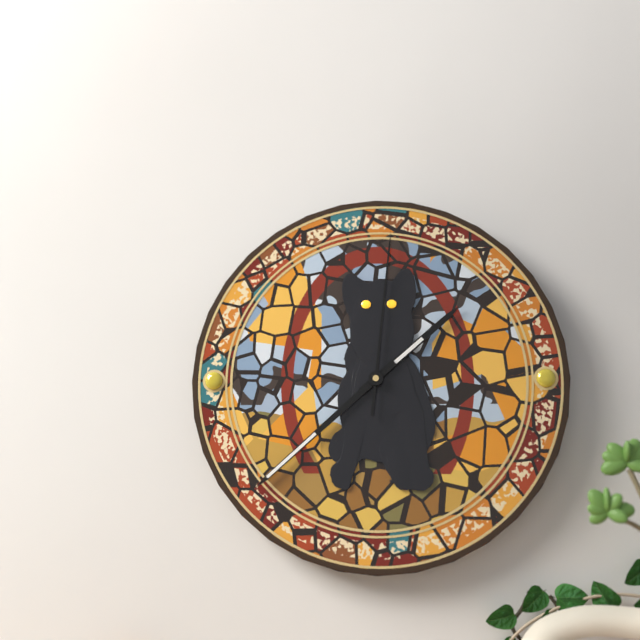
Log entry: 1h38m01s
